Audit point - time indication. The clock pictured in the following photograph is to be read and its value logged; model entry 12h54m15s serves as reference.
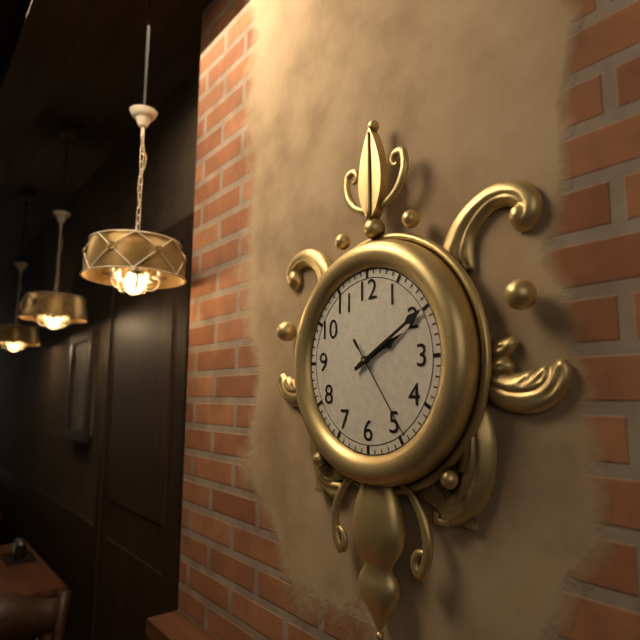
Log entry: 2h10m24s
